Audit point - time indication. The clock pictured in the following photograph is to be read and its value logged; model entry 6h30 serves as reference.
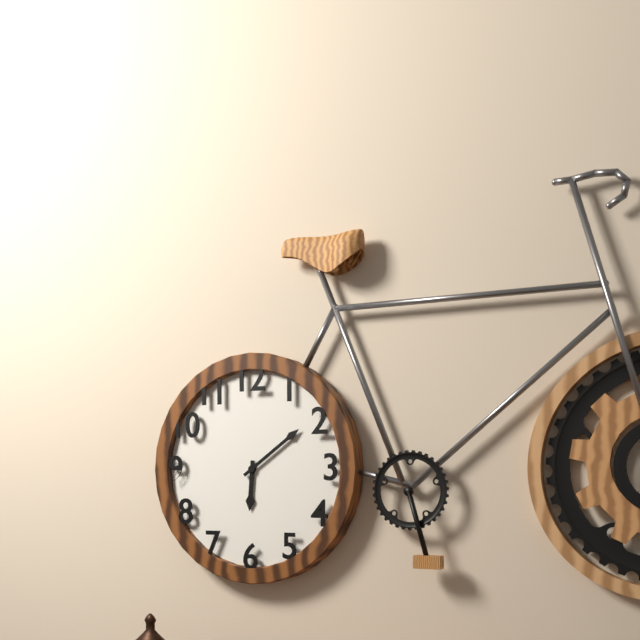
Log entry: 6h09
